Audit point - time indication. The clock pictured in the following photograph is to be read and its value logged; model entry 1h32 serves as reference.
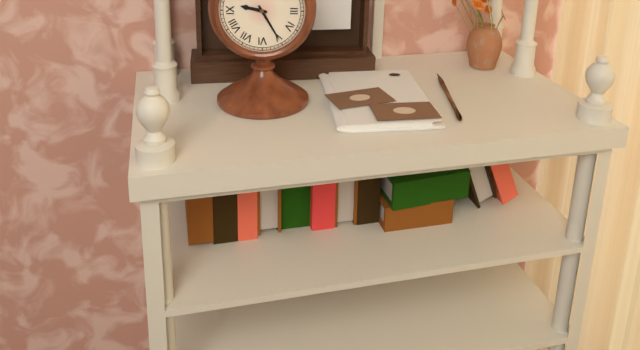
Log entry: 9h25
